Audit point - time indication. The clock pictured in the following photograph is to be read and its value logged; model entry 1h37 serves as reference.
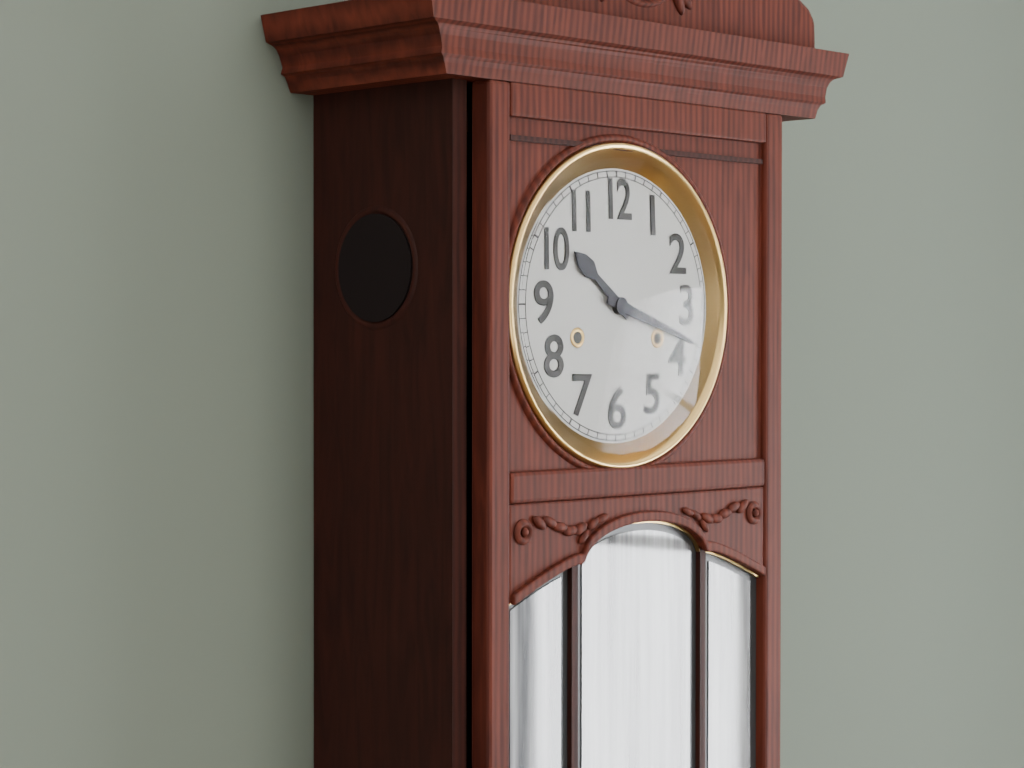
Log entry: 10h18
